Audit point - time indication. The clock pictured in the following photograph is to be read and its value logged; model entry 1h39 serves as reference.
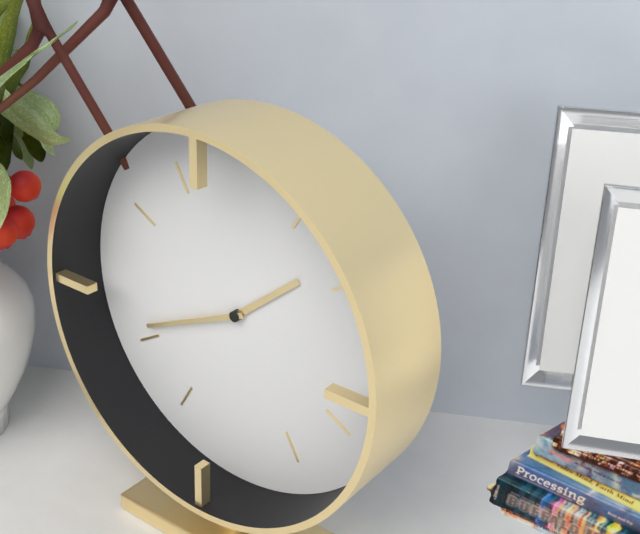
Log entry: 1h41
